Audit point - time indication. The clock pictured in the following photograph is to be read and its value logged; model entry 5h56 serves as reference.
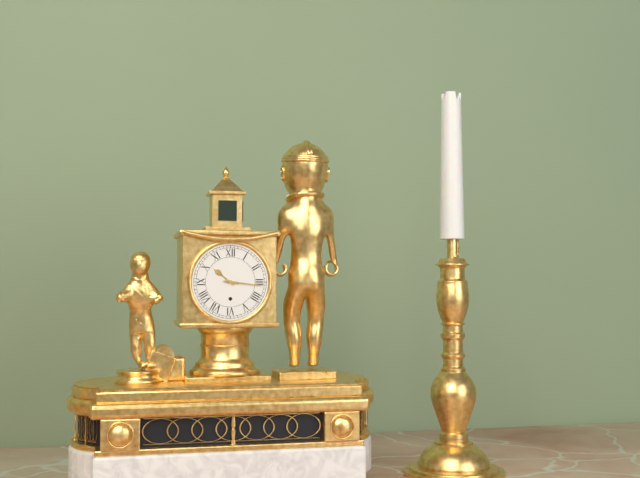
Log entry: 10h16
